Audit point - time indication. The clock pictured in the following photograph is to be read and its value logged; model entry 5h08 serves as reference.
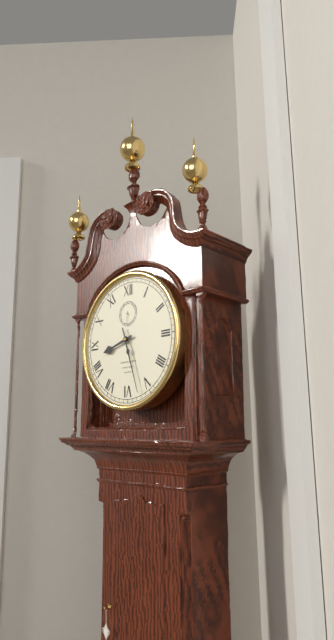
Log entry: 8h27
